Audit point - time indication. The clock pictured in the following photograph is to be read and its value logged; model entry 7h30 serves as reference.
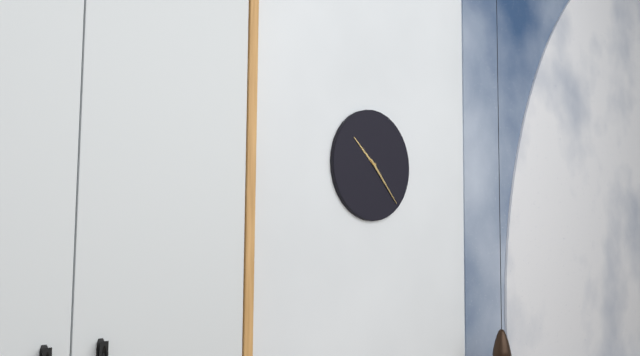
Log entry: 10h23
